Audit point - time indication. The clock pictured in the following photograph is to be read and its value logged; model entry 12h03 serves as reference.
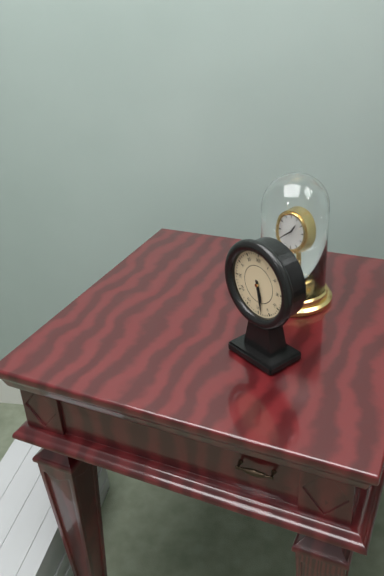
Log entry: 5h28
